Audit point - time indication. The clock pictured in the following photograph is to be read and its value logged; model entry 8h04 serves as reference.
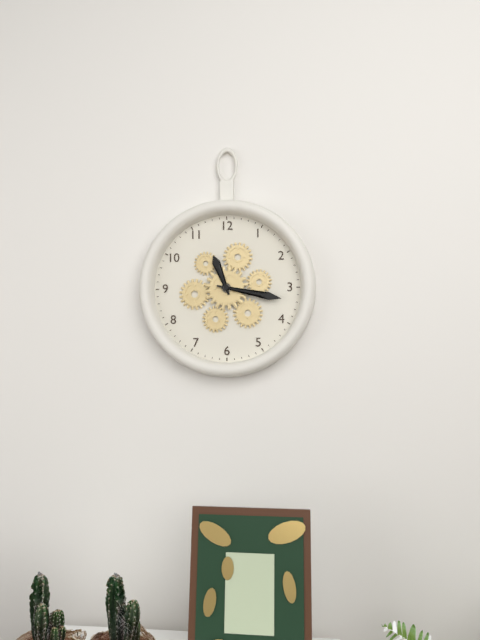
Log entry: 11h17
